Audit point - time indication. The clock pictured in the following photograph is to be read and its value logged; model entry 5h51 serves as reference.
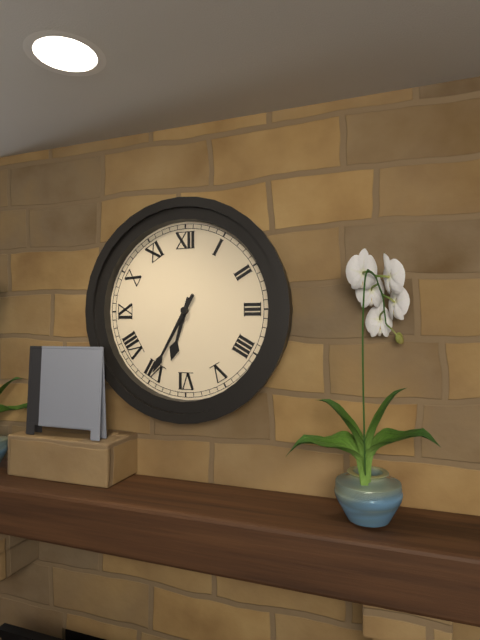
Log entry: 6h35
